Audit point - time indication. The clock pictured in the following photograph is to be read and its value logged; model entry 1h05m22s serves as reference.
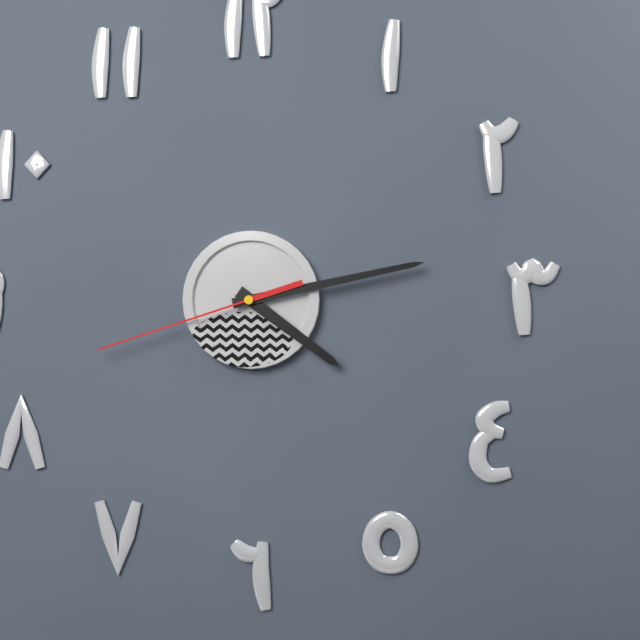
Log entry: 4h13m42s
